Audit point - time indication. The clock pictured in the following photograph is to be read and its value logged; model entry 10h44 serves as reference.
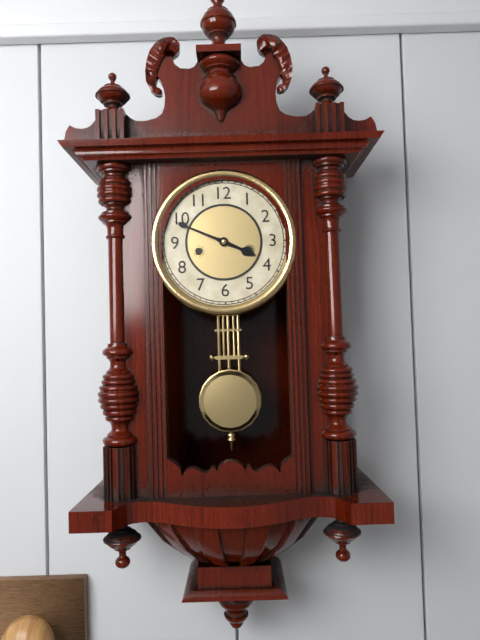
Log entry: 3h49
